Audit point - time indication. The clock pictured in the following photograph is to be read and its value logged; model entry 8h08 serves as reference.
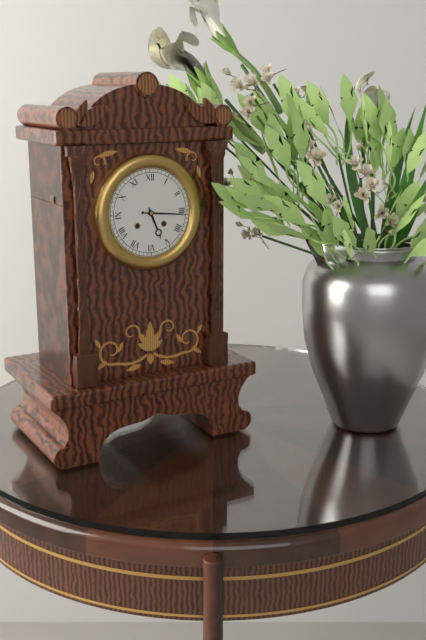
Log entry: 5h16
